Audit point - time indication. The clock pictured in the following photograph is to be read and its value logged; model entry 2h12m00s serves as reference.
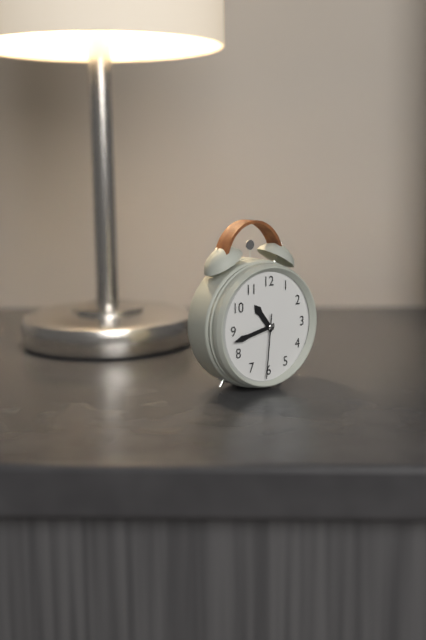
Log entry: 10h43m31s
